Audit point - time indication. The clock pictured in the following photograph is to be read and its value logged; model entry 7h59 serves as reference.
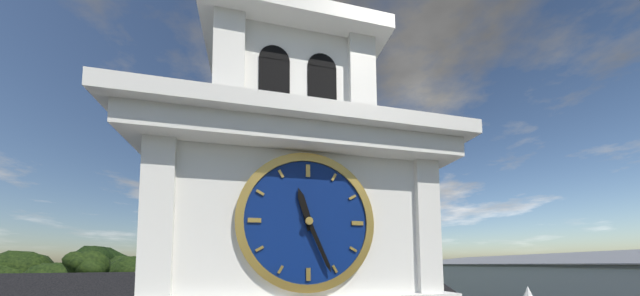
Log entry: 11h26
